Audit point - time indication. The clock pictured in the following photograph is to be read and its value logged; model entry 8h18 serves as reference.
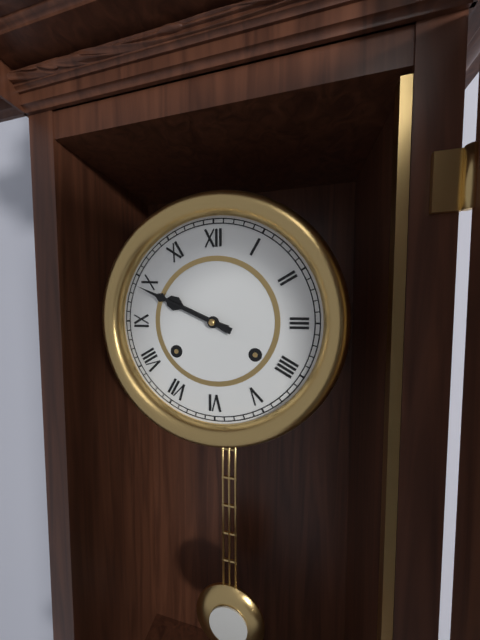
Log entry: 9h49
